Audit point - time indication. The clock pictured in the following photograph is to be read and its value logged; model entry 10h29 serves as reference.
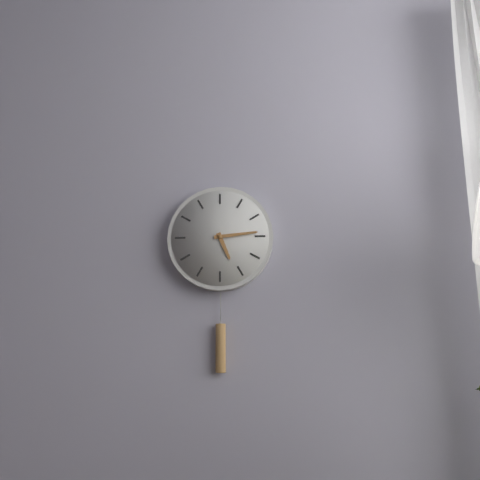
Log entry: 5h14
